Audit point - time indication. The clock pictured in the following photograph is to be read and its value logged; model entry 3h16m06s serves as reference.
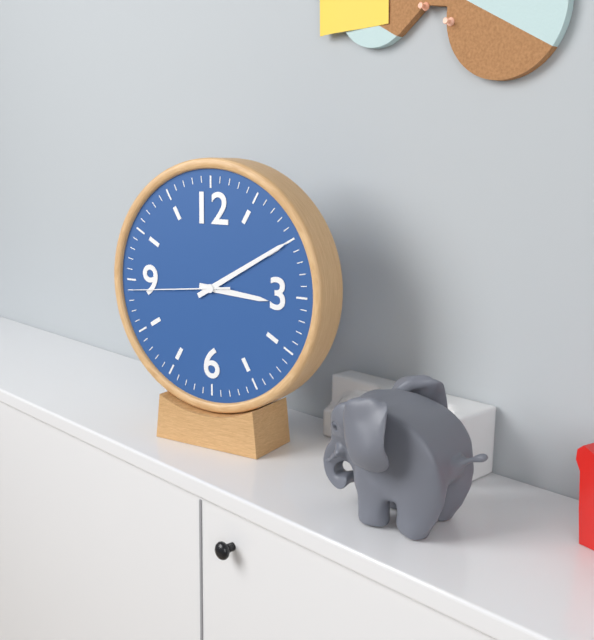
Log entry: 3h10m44s
